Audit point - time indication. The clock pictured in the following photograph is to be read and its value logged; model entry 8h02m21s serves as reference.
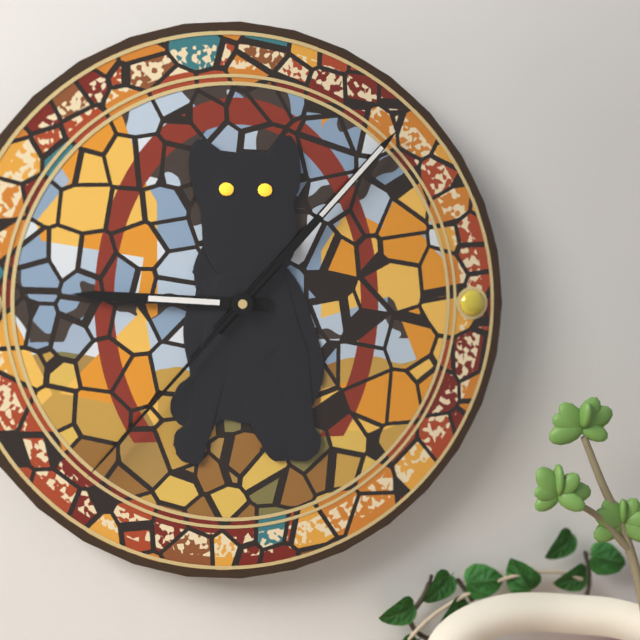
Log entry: 9h07m37s
